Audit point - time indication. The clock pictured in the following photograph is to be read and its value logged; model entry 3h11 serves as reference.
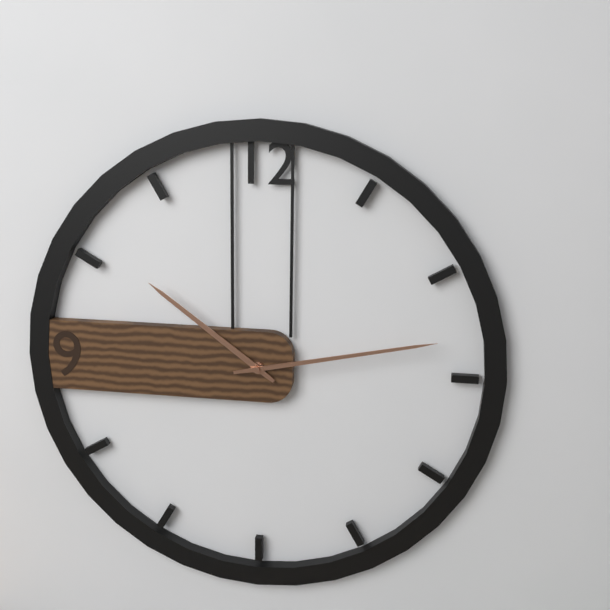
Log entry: 10h13
